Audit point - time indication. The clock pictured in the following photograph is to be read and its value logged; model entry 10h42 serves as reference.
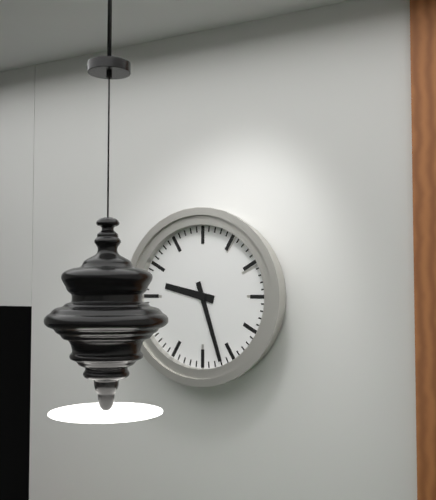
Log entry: 9h27
